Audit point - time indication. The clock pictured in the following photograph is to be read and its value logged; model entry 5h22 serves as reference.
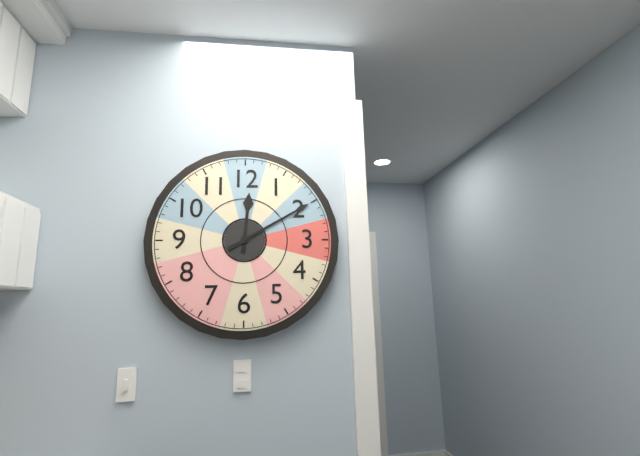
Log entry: 12h10
